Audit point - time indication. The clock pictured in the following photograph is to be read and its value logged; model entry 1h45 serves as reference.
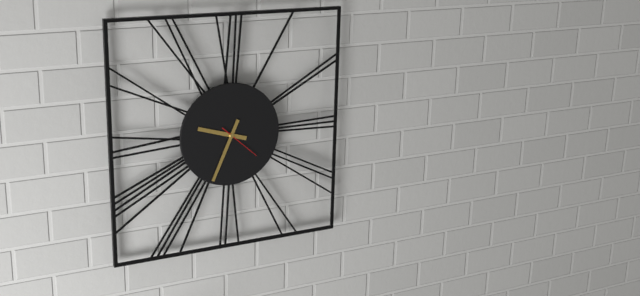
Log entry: 9h34
